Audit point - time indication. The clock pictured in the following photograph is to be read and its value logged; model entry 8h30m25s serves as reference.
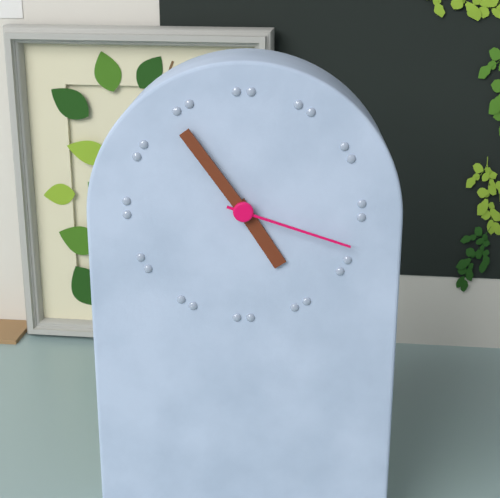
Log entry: 4h54m18s
